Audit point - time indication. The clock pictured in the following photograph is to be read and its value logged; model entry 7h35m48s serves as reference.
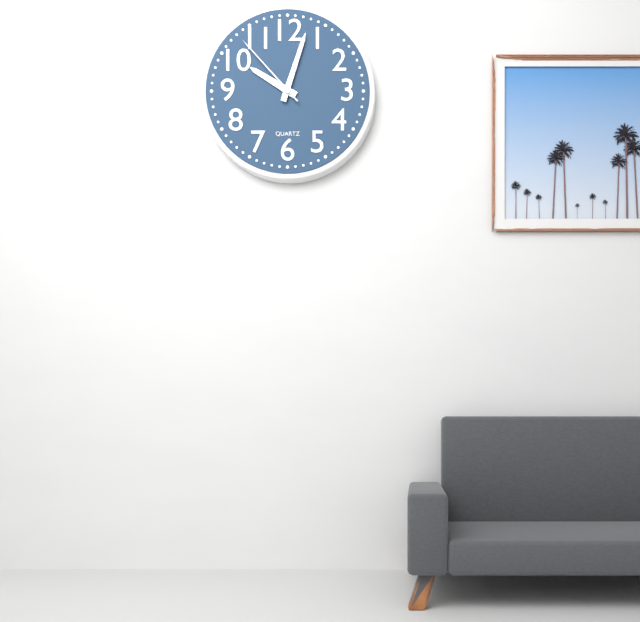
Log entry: 10h03m53s
